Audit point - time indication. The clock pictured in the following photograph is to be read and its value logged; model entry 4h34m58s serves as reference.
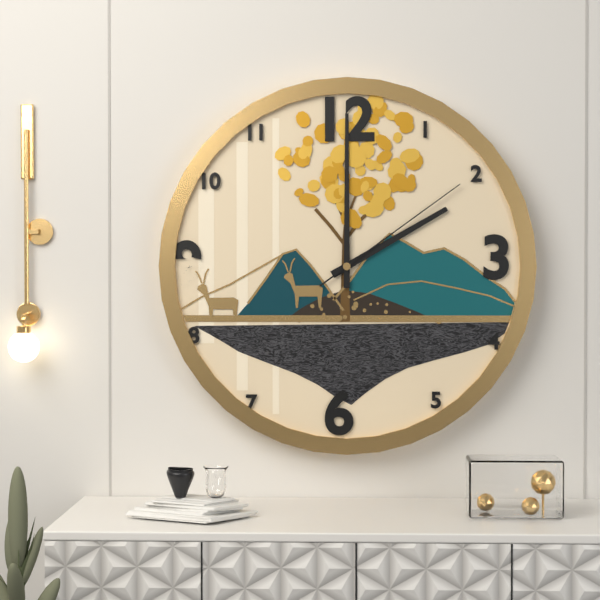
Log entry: 2h00m09s
